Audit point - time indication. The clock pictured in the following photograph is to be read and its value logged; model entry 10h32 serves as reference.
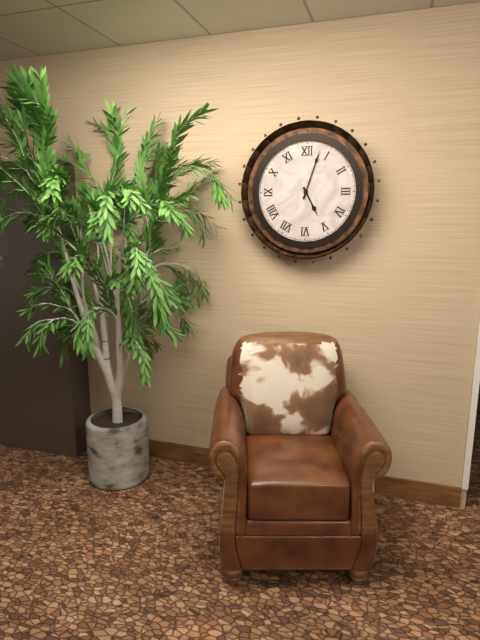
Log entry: 5h03
